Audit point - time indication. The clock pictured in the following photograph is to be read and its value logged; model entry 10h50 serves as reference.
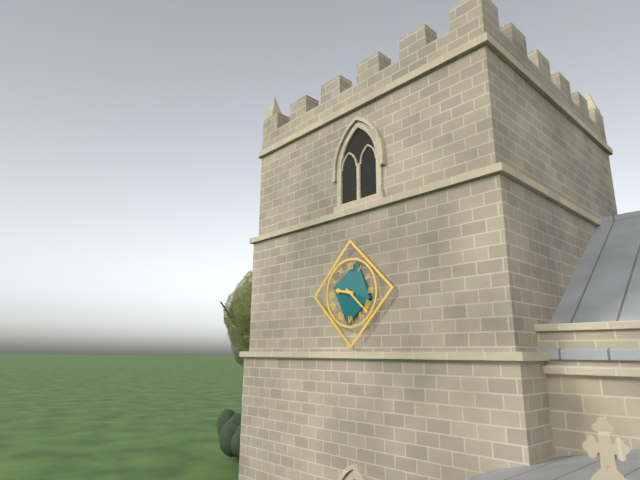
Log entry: 9h22
